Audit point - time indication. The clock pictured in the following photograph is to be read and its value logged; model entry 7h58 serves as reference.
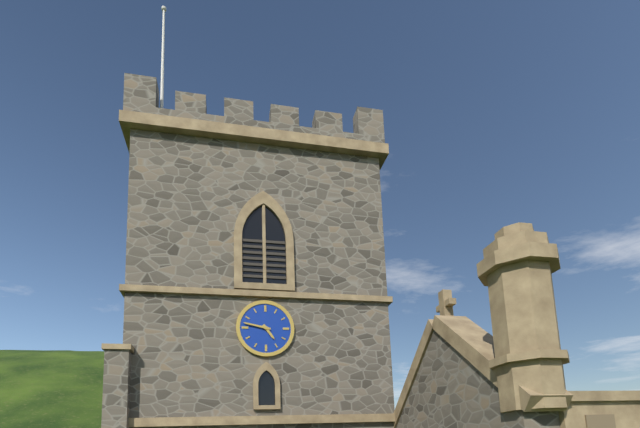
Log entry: 4h47
